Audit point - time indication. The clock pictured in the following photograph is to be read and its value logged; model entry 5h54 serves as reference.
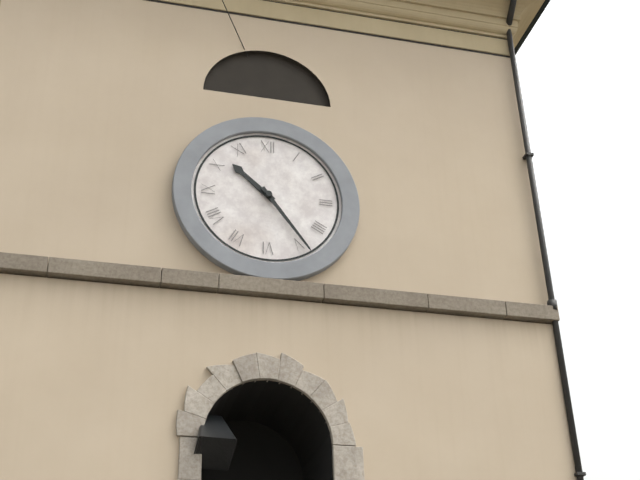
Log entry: 10h24
